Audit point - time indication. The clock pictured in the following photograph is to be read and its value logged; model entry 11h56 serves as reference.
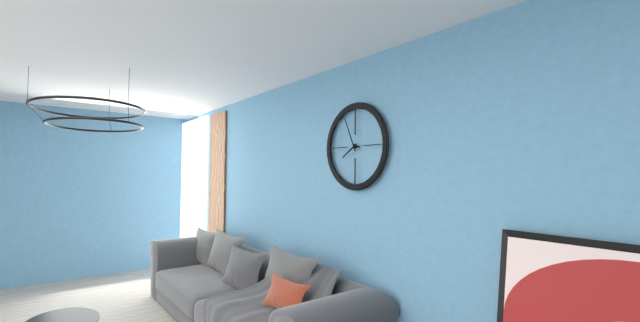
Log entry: 7h56
